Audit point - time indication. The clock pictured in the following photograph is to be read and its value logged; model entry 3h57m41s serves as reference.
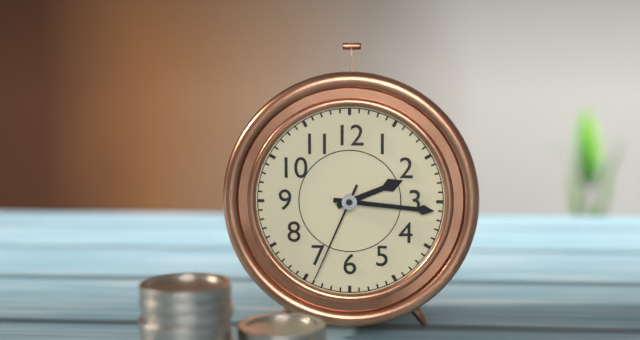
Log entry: 2h16m34s
